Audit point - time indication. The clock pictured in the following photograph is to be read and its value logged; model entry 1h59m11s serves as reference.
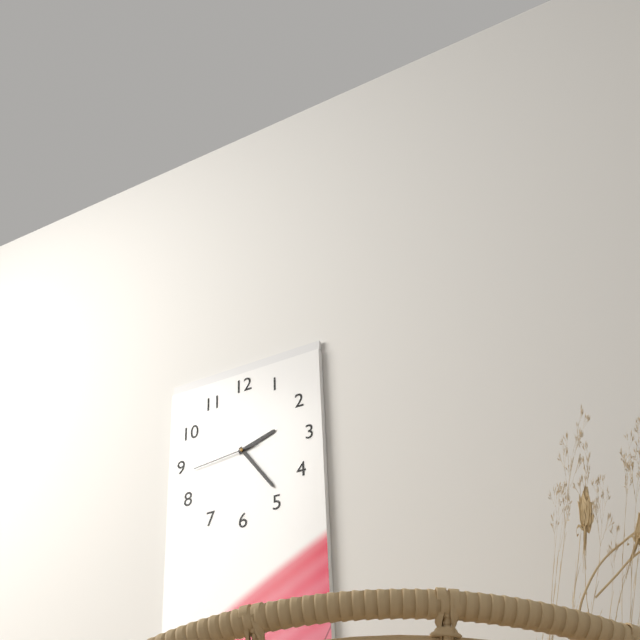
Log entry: 2h24m44s
